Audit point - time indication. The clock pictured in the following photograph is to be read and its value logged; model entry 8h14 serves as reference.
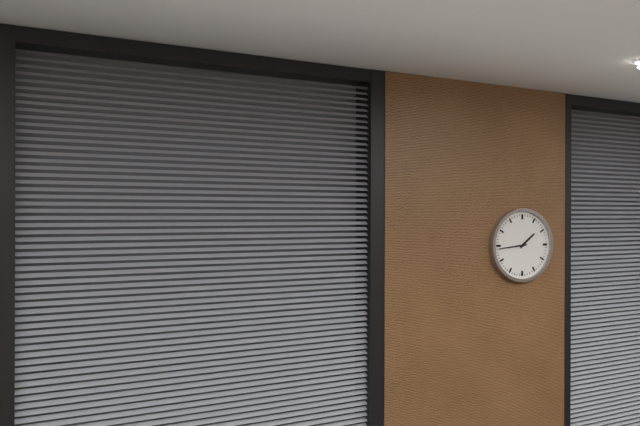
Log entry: 1h44
